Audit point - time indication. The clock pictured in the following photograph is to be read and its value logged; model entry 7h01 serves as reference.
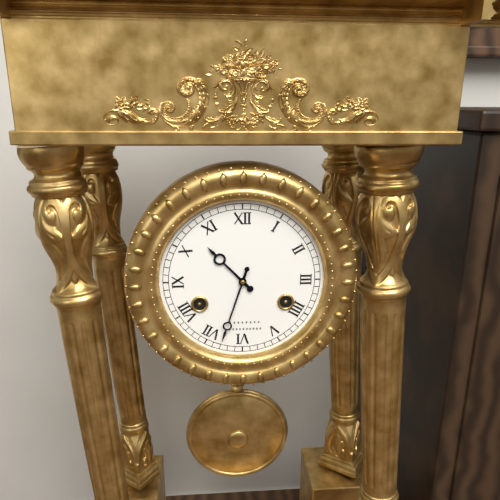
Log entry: 10h33
